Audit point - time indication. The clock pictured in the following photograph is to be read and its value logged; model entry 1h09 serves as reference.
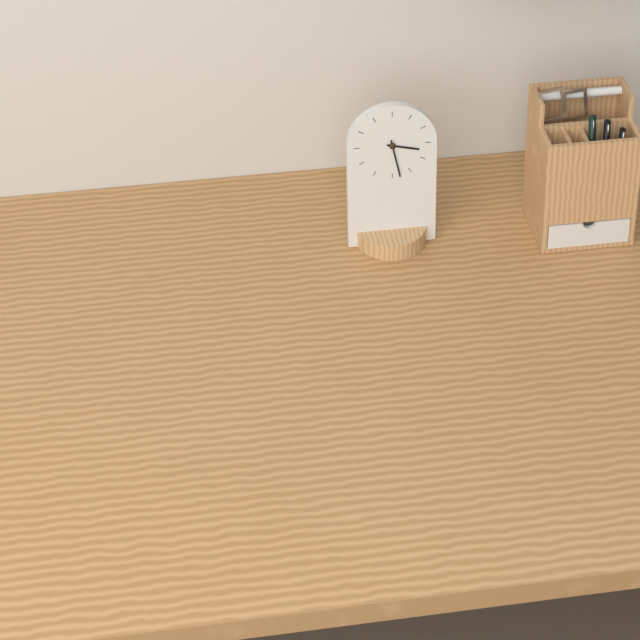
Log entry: 3h28
